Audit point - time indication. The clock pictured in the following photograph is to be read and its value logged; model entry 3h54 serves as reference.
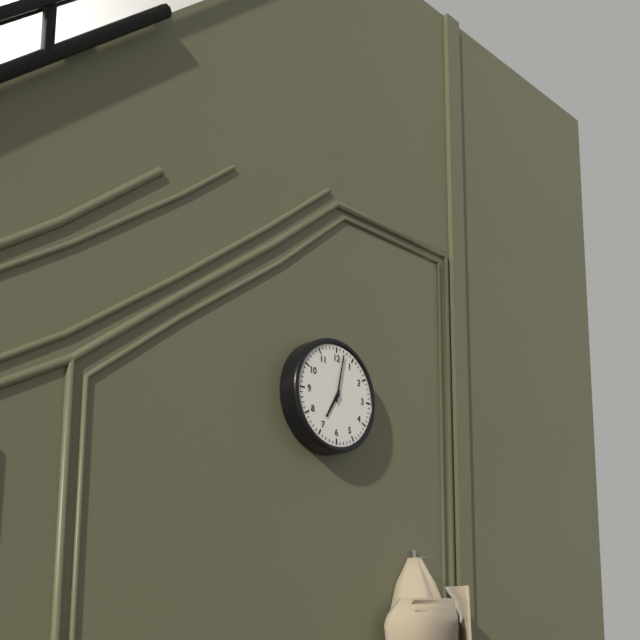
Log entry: 7h02
